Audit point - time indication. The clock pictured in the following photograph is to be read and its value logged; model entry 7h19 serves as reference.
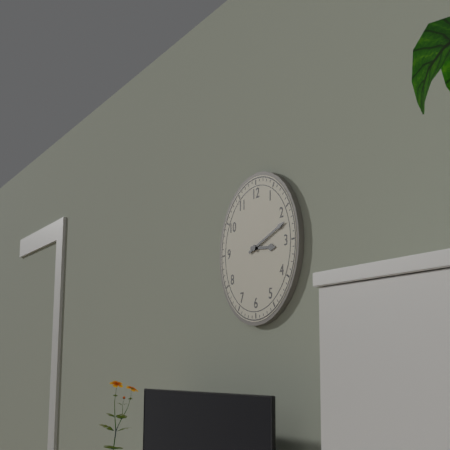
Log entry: 3h12
